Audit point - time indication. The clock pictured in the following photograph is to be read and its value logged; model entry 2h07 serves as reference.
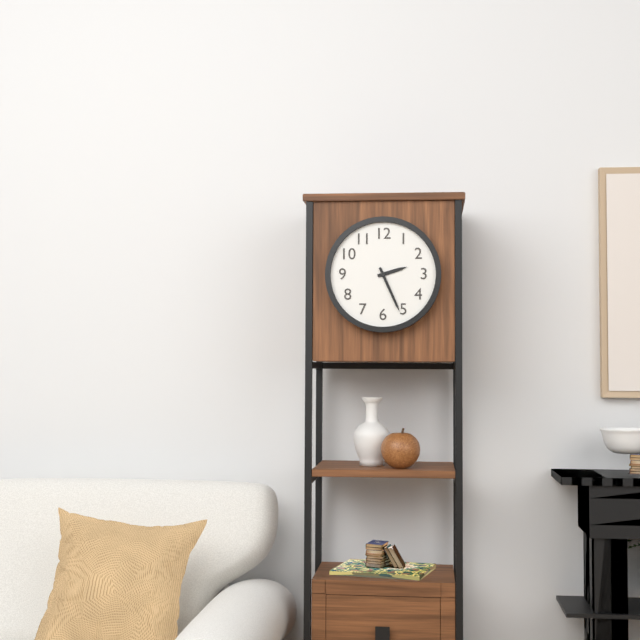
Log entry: 2h26
